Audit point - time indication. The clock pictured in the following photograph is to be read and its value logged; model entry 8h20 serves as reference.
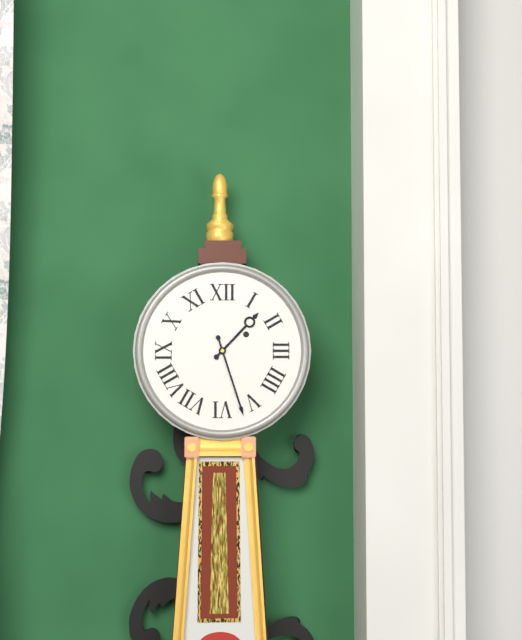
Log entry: 1h27
